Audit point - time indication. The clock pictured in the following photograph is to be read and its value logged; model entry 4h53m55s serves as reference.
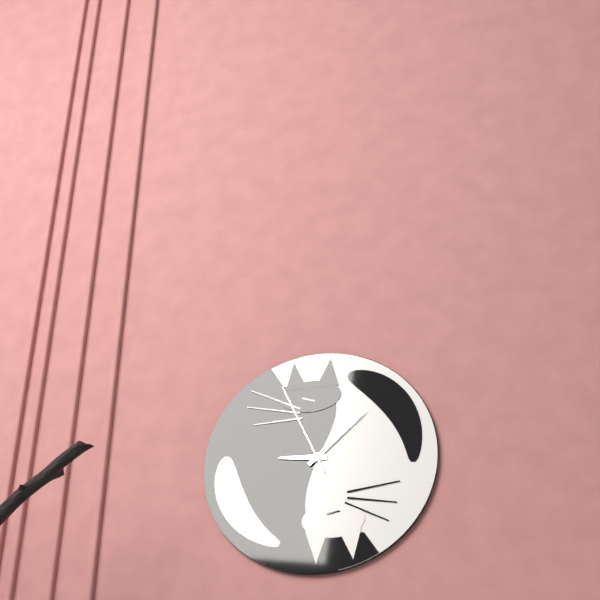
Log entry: 9h08m56s
